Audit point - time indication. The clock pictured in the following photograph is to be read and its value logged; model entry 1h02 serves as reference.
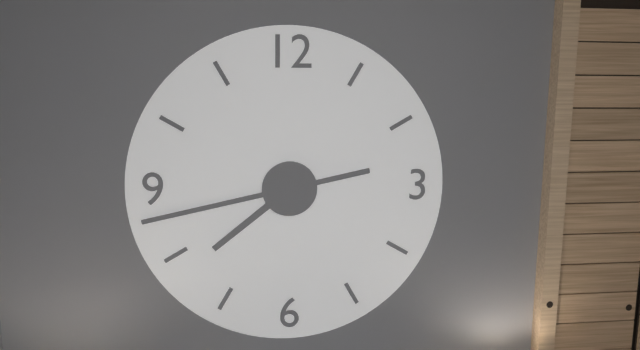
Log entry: 7h43
